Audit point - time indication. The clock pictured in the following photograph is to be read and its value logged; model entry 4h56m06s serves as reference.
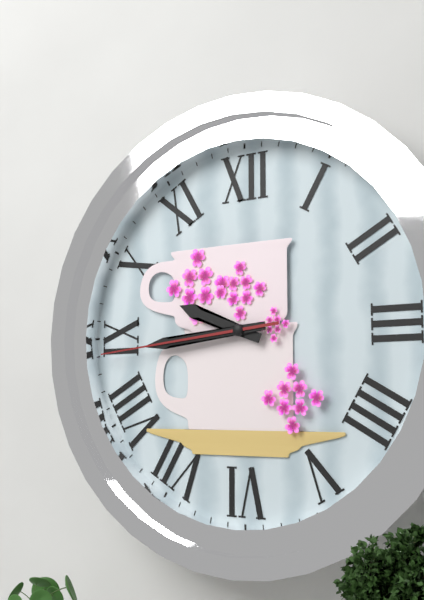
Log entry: 9h44m44s
